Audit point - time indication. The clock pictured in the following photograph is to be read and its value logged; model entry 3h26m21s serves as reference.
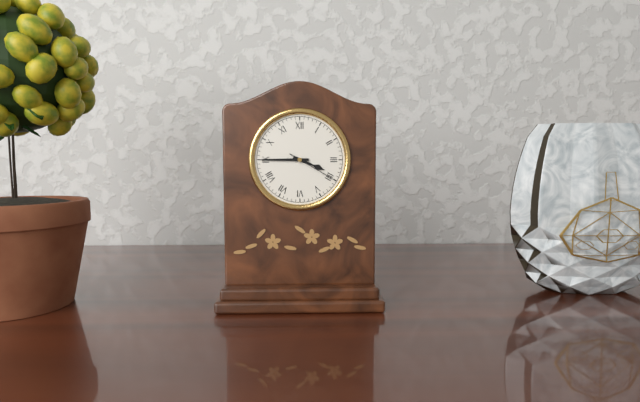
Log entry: 3h45m20s
